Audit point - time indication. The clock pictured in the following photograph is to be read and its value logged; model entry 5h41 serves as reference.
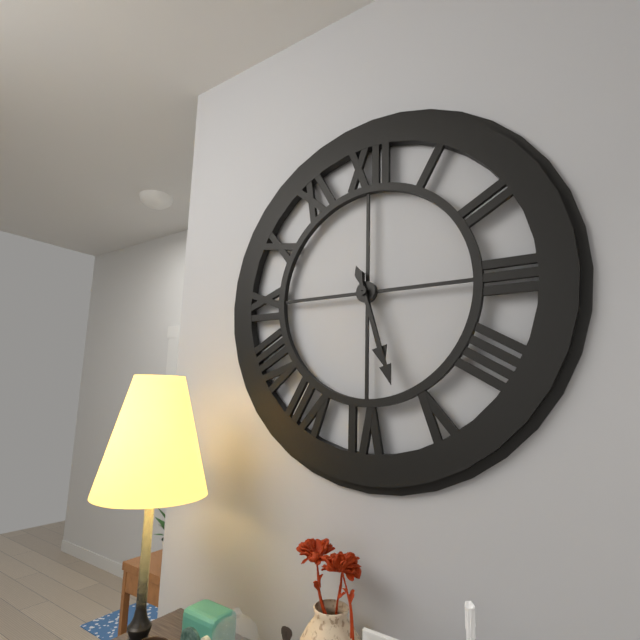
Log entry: 5h27
